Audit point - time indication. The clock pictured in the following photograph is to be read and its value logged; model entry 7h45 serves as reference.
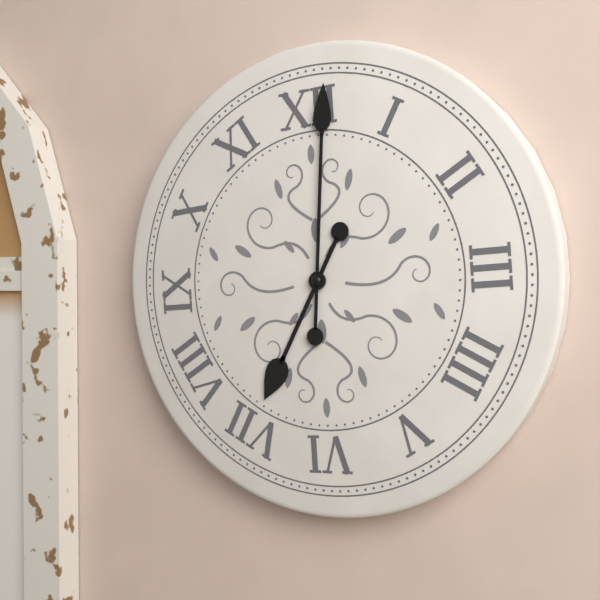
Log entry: 7h01
